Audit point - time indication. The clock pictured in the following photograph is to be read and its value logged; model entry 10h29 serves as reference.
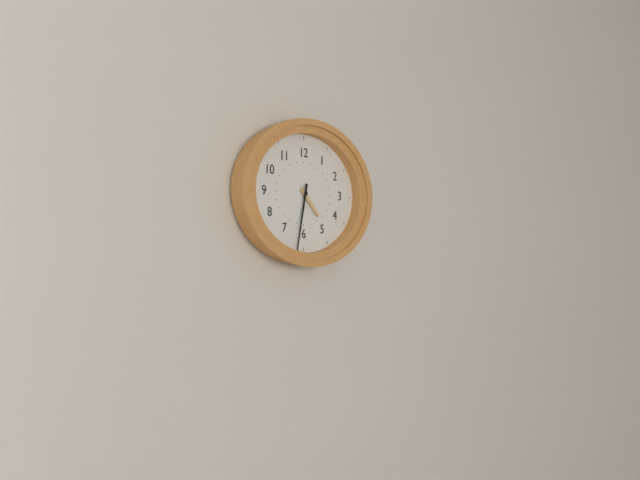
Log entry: 4h32
